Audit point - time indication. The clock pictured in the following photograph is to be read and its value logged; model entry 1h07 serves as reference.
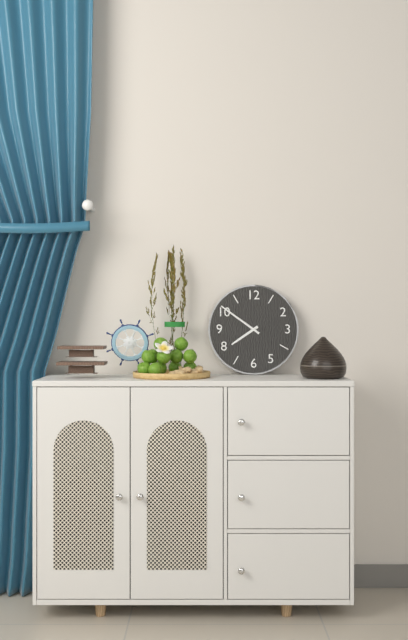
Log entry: 7h51
